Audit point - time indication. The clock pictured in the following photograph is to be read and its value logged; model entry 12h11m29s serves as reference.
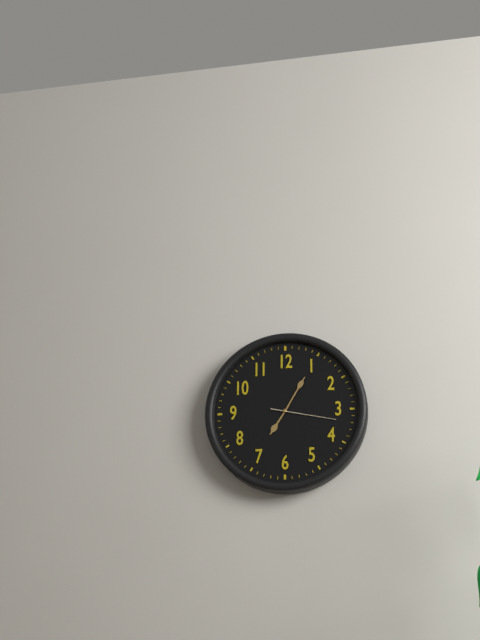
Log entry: 7h05m17s
